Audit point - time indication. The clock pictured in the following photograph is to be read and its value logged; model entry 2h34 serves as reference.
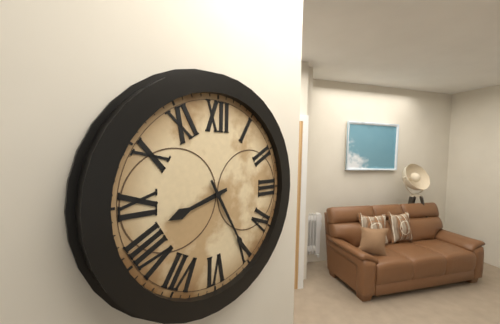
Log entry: 8h25
